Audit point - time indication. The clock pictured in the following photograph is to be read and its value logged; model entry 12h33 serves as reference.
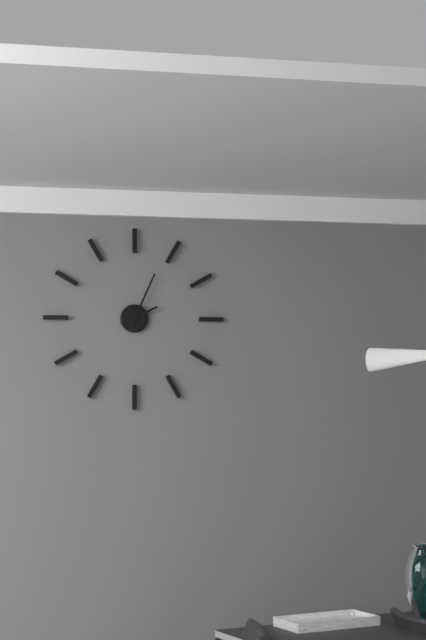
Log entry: 2h04
